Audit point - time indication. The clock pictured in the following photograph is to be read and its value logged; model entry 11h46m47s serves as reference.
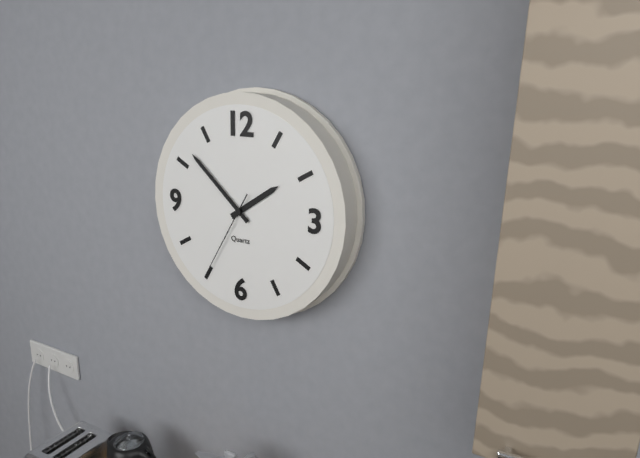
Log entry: 1h52m35s
